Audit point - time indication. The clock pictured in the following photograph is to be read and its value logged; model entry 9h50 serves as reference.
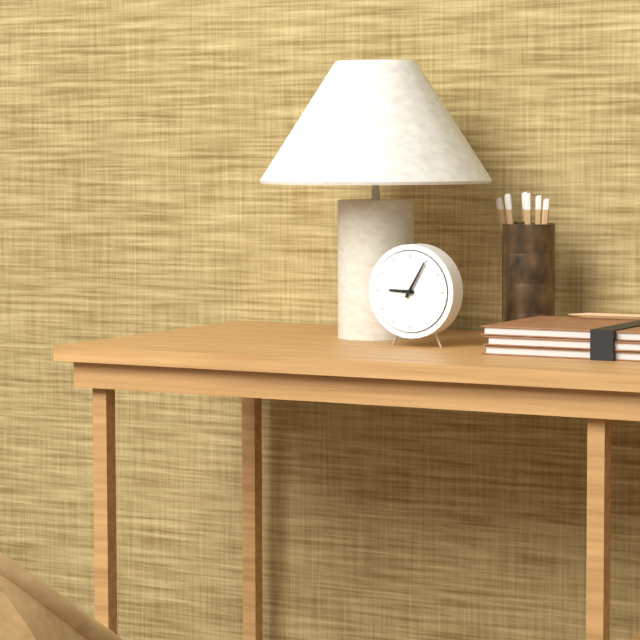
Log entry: 9h05
